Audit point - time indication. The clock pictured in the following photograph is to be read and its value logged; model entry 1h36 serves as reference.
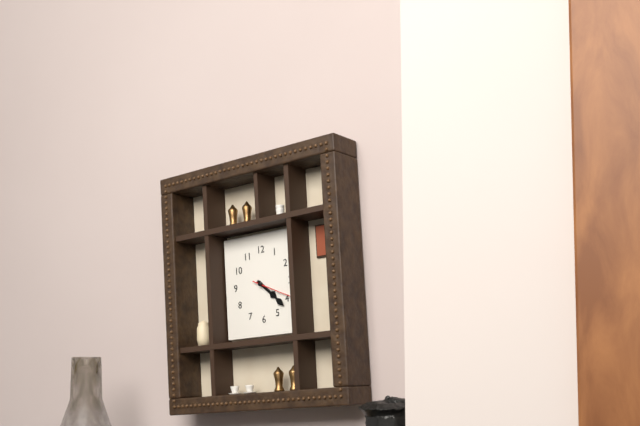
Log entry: 4h22
